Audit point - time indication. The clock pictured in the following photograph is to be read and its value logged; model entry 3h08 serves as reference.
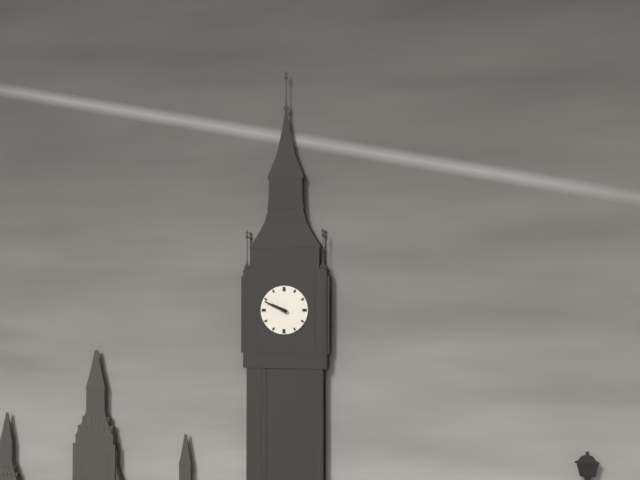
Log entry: 9h49
